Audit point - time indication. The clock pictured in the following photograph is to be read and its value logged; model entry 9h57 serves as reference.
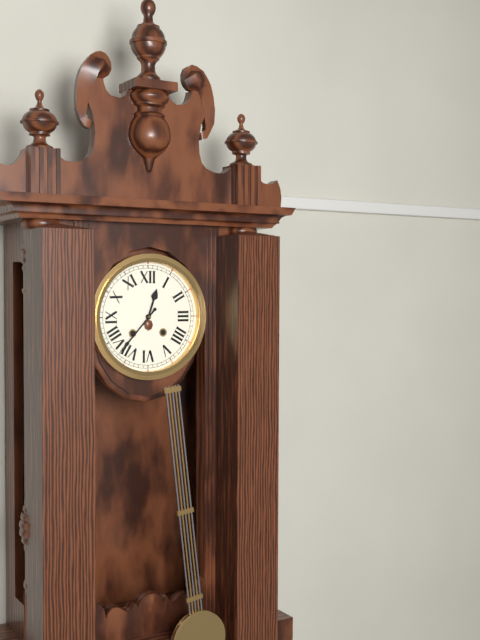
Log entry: 12h37
